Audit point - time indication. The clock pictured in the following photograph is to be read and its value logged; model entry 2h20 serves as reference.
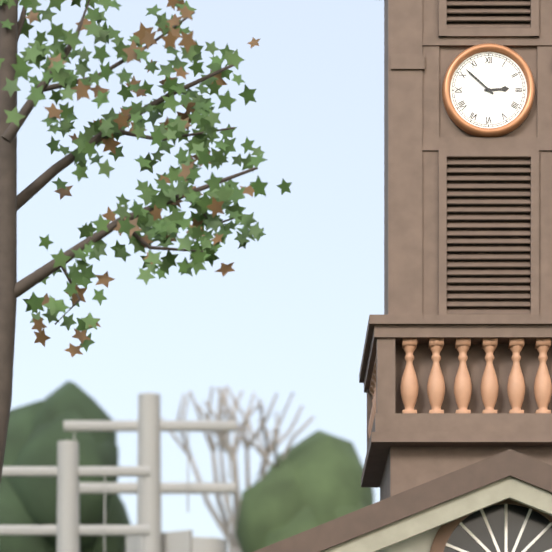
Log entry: 2h52
